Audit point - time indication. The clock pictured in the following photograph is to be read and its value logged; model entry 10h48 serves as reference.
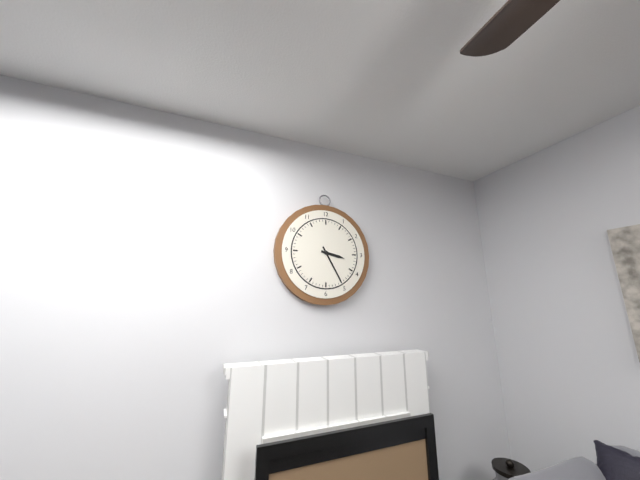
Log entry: 3h25
